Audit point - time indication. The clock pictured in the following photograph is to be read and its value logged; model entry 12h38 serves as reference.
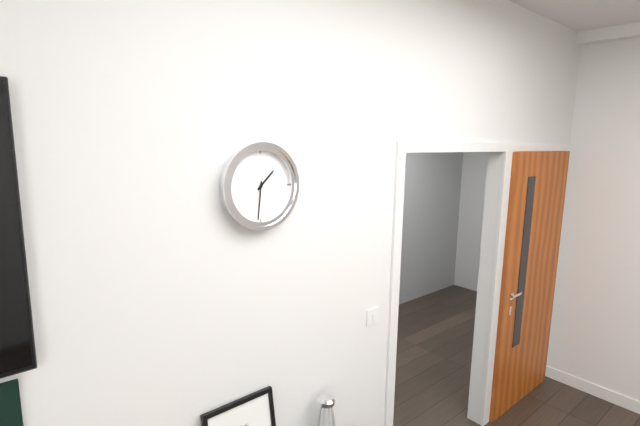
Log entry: 1h31
